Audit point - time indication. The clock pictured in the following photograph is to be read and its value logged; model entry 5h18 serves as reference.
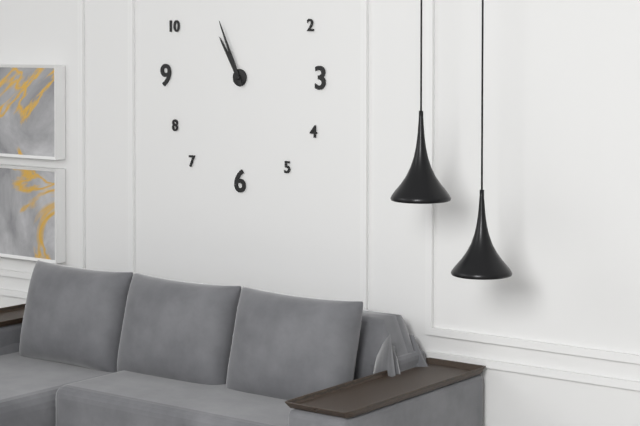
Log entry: 10h56
